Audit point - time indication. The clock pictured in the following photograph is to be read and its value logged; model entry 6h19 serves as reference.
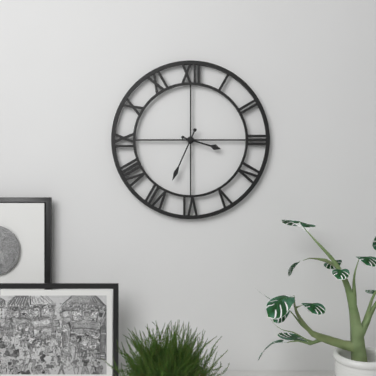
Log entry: 3h34
